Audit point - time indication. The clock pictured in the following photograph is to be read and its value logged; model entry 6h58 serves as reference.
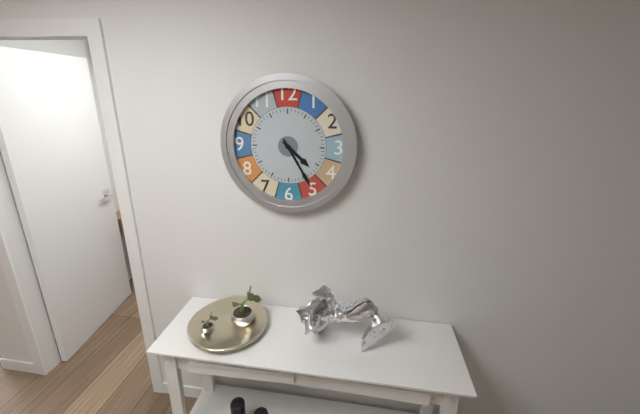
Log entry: 4h25
